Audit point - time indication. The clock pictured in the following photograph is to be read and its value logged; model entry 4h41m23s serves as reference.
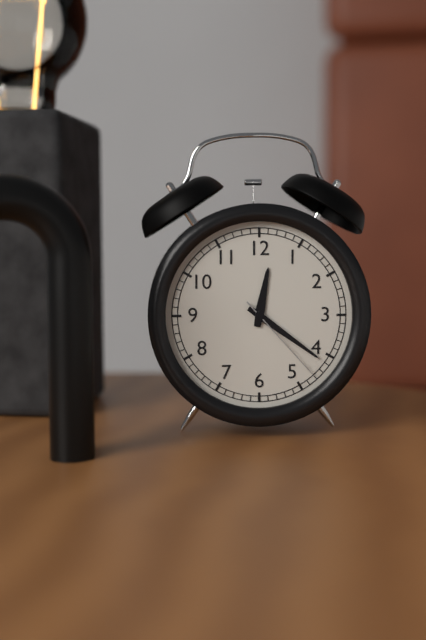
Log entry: 12h21m23s
